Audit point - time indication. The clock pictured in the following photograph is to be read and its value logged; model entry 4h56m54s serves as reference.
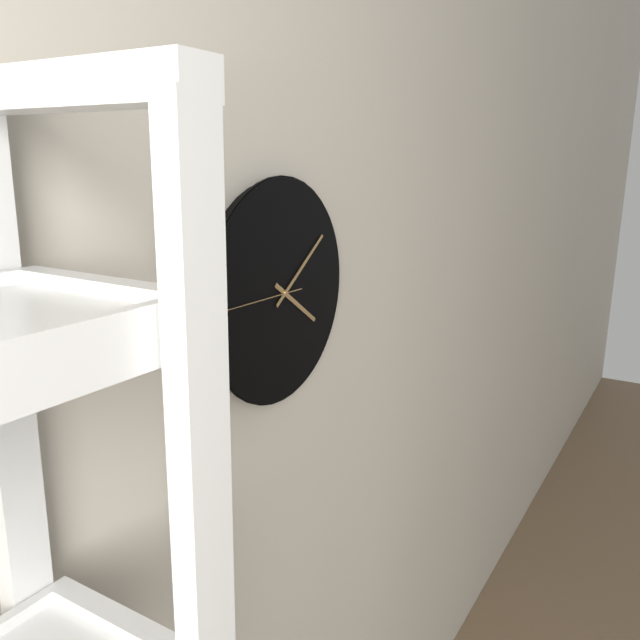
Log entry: 4h09m45s
